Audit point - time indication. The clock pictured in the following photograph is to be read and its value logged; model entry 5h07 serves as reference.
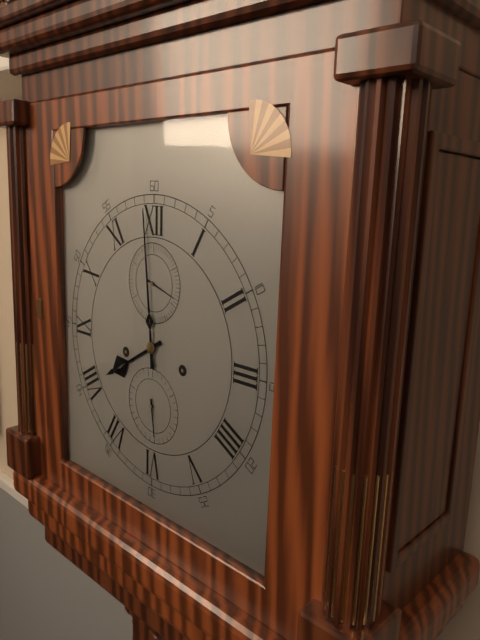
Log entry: 7h59
